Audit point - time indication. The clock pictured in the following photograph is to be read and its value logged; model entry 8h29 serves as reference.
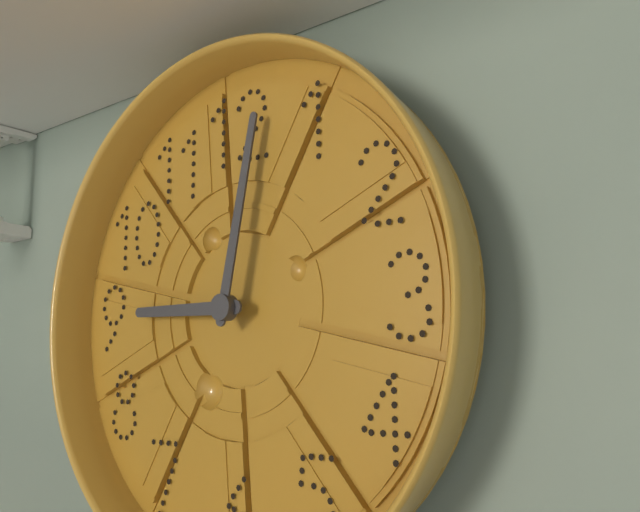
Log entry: 9h02
